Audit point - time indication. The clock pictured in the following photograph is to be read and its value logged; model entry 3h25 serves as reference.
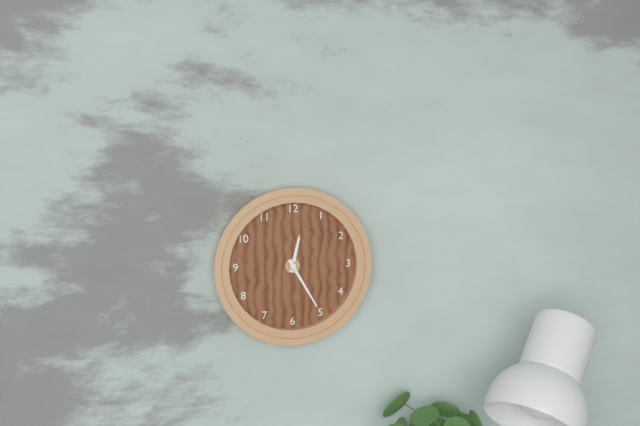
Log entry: 12h25
